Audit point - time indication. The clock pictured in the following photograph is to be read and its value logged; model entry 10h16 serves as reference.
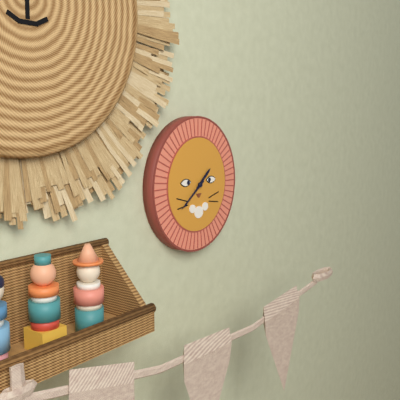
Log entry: 1h39
